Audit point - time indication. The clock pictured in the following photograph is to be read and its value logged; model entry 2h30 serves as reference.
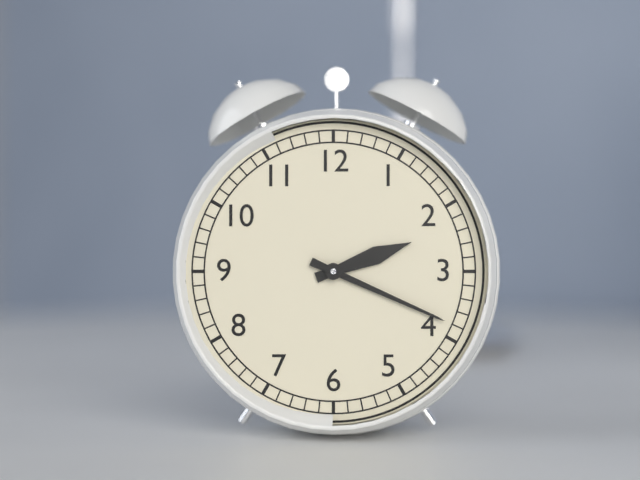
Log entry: 2h19
